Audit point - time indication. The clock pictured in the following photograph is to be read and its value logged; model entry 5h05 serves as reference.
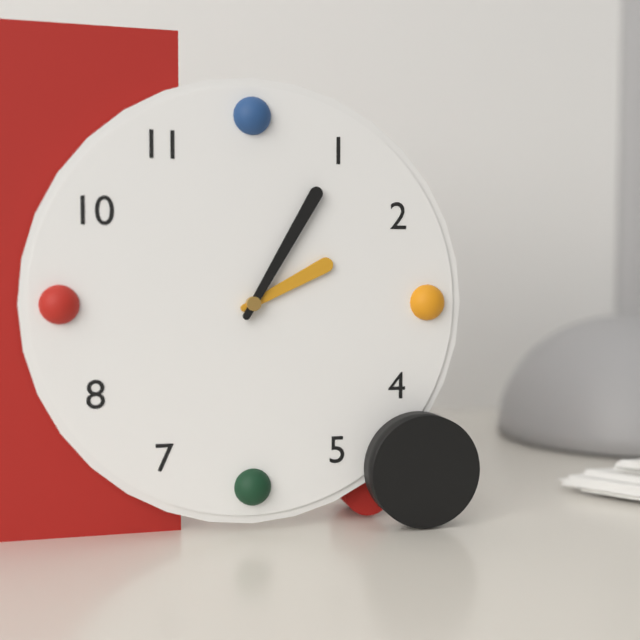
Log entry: 2h05
